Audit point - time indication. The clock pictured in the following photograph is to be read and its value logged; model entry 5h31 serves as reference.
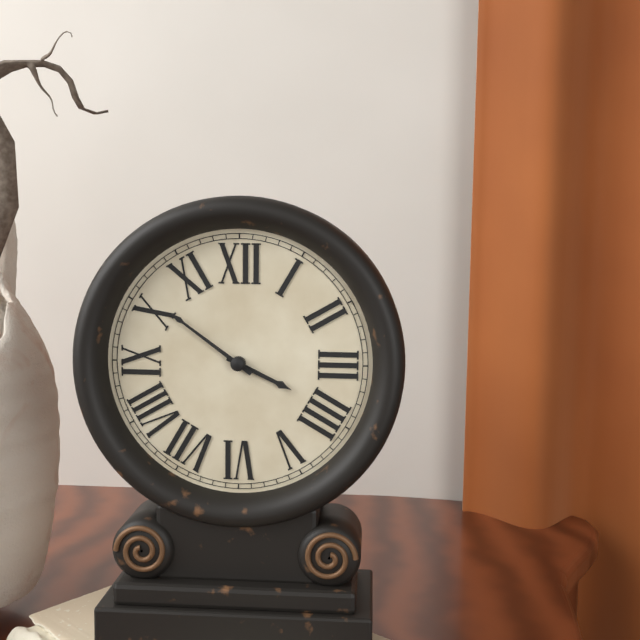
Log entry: 3h51
